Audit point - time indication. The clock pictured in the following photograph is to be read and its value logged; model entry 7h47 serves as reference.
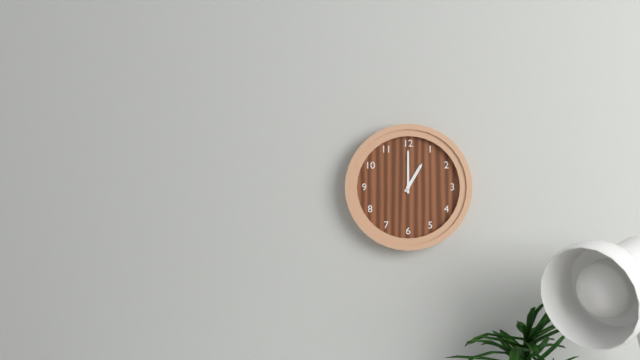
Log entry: 1h00
